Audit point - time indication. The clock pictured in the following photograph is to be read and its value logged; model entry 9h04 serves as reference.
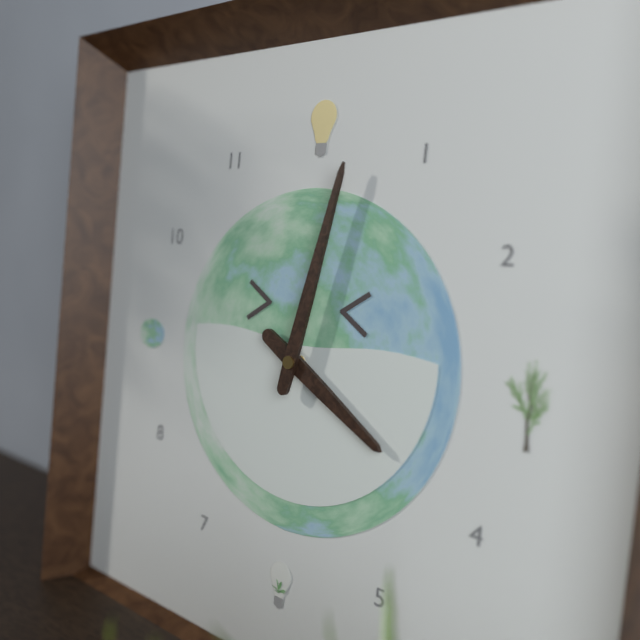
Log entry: 4h02
